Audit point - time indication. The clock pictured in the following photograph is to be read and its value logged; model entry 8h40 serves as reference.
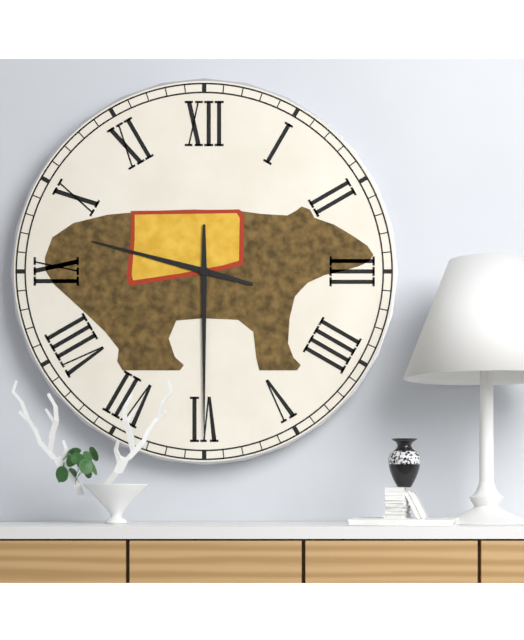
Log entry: 9h30
